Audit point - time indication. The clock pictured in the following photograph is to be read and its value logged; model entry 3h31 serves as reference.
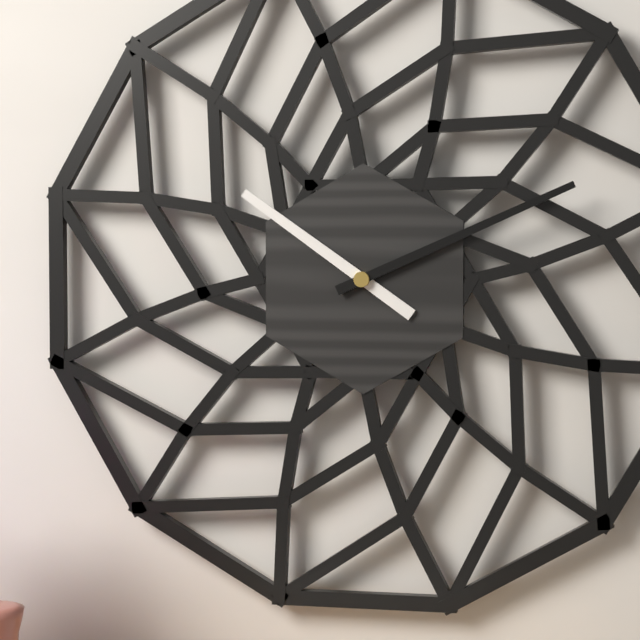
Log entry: 10h11
